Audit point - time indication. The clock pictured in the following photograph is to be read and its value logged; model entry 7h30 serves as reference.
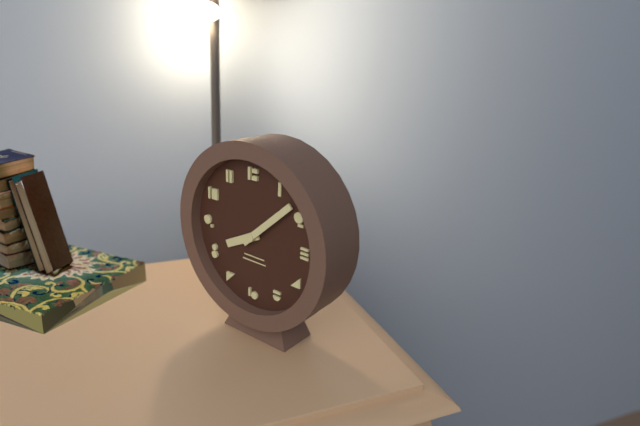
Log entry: 8h08
